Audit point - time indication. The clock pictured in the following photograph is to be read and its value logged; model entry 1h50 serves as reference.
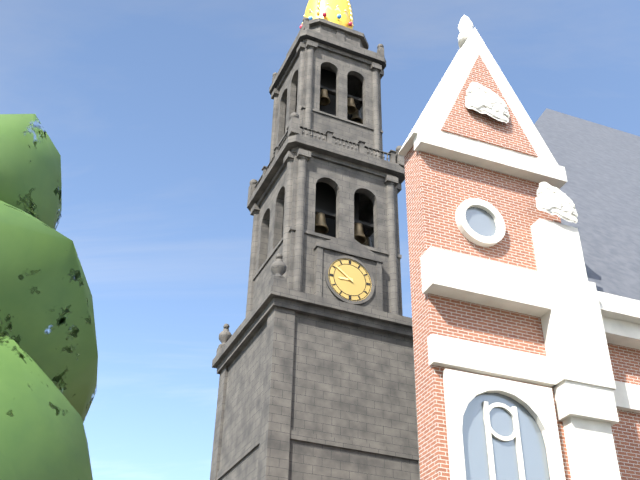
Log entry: 8h51
